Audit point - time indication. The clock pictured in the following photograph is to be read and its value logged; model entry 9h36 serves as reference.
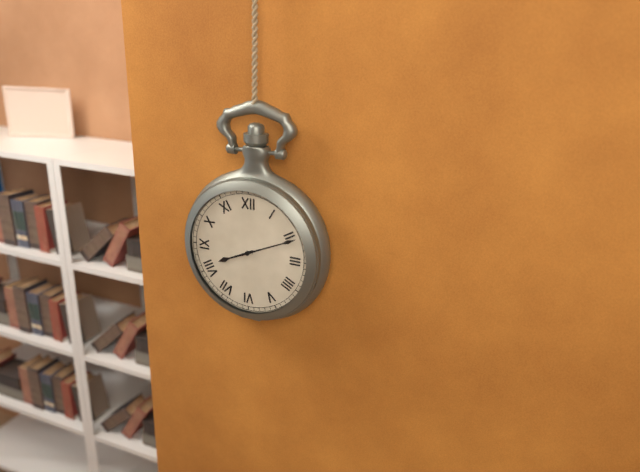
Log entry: 8h11
